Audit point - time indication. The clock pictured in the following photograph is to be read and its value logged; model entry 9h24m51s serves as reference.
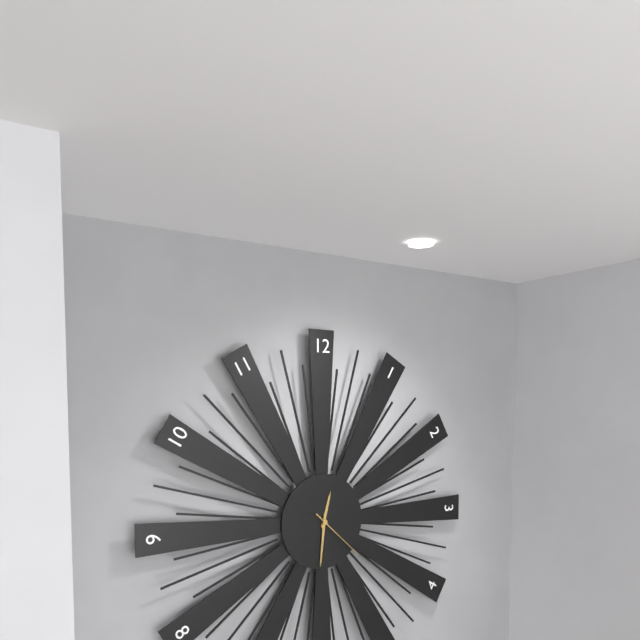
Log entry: 12h31m22s
